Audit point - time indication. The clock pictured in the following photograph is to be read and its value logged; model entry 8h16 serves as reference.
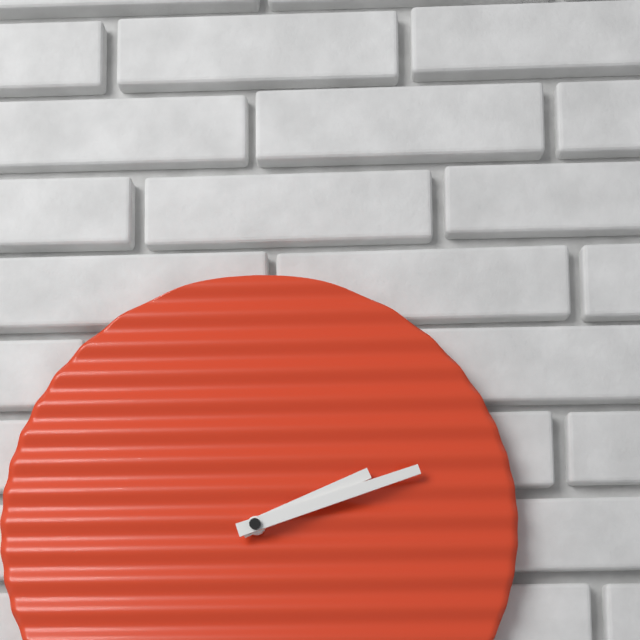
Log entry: 2h12
